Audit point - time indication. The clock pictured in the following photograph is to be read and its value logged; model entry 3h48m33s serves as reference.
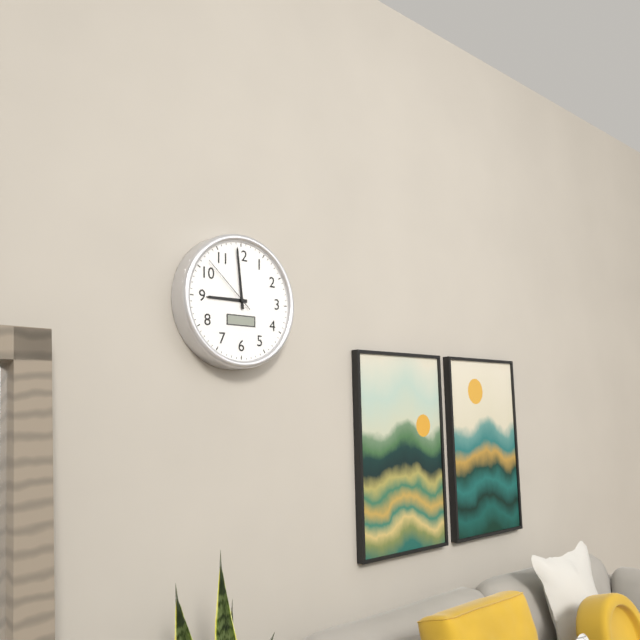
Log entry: 8h59m52s
